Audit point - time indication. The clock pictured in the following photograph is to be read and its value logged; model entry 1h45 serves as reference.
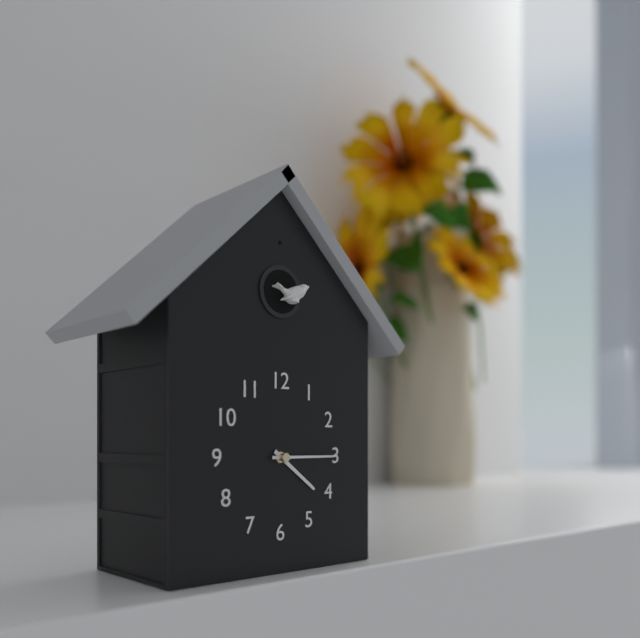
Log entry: 4h15
